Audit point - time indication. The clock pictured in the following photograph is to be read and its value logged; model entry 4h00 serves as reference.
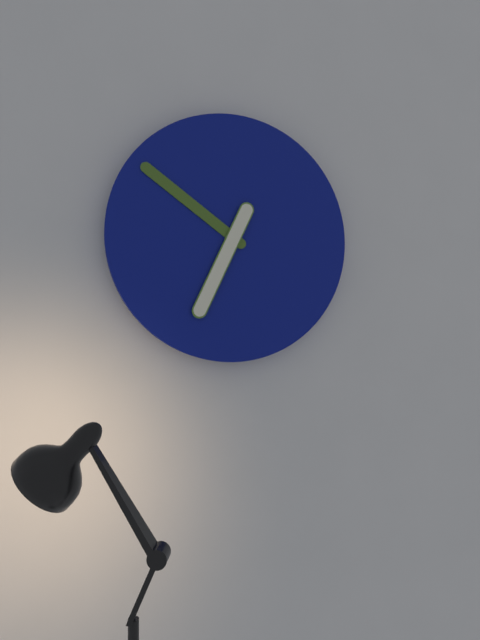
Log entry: 6h51
